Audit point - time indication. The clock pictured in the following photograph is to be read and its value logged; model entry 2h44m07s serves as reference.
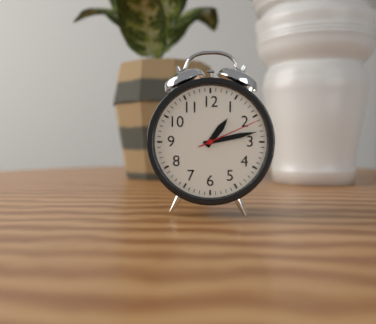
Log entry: 1h13m11s
